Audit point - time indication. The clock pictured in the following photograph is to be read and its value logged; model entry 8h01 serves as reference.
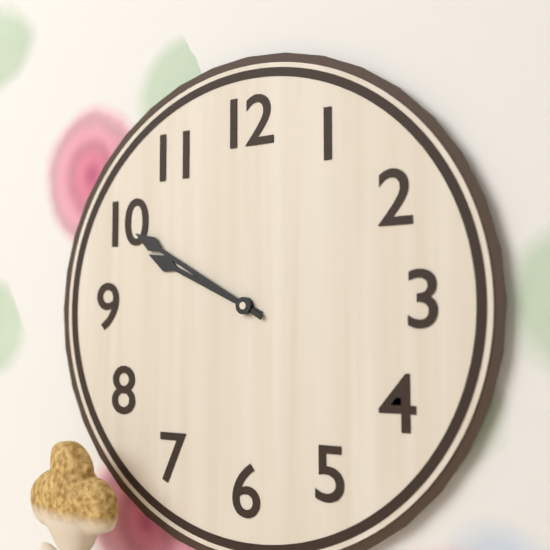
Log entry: 9h50
